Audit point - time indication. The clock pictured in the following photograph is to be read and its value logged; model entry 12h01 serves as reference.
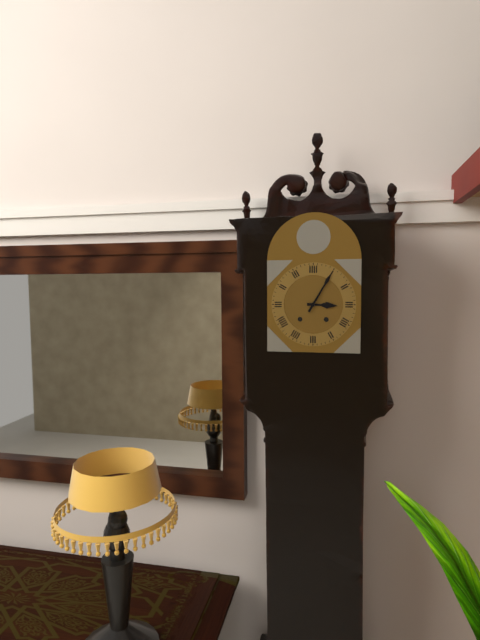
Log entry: 3h05
